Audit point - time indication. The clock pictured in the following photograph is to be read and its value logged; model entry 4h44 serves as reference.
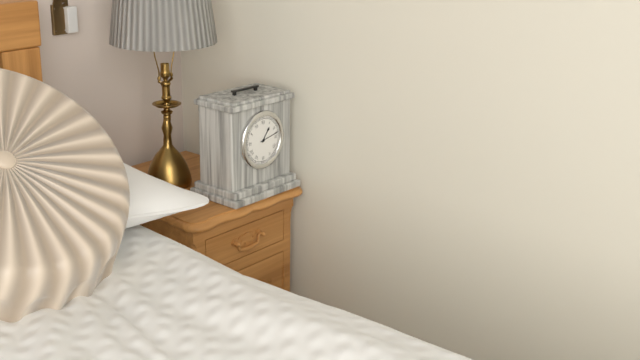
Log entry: 1h13
